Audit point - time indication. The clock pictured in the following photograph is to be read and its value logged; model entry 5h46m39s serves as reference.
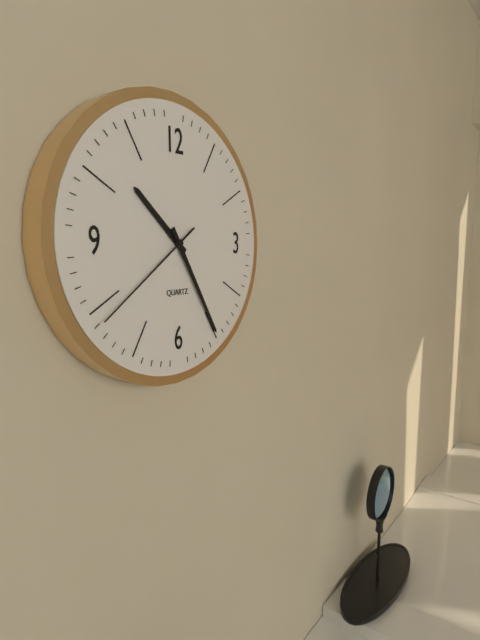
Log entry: 10h25m39s
